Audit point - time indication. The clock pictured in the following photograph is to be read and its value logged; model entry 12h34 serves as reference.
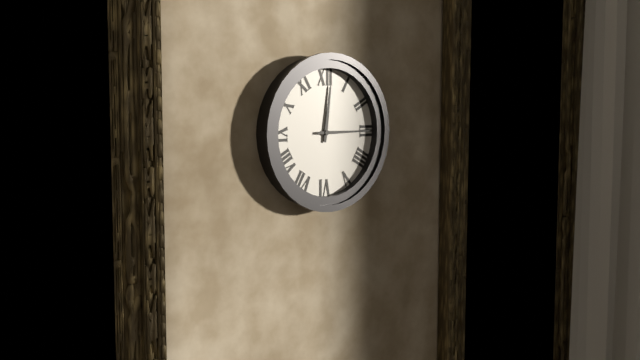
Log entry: 12h15
